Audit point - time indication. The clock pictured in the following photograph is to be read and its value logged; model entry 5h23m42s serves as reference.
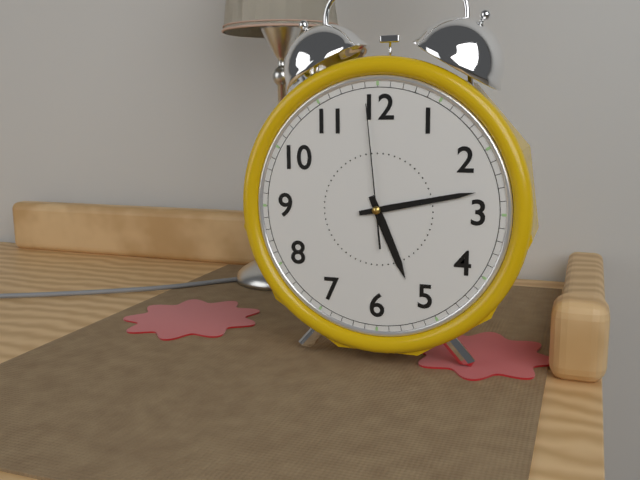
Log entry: 5h13m59s
